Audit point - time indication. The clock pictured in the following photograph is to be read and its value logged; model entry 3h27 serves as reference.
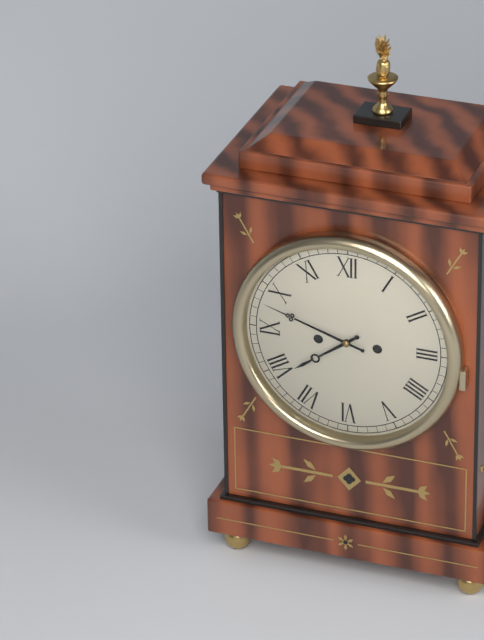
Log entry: 7h48
